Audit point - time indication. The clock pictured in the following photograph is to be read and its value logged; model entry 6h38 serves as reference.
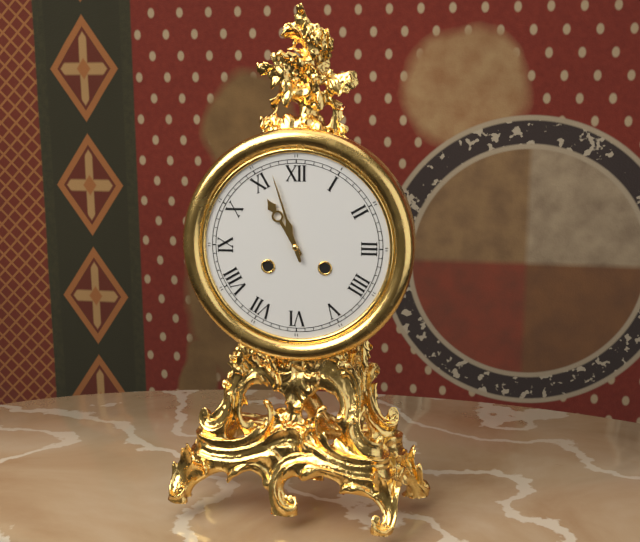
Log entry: 10h57
